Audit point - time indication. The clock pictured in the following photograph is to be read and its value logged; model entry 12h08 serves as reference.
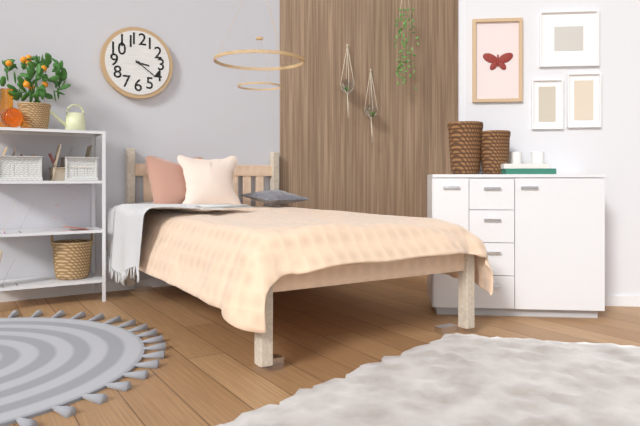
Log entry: 3h21
